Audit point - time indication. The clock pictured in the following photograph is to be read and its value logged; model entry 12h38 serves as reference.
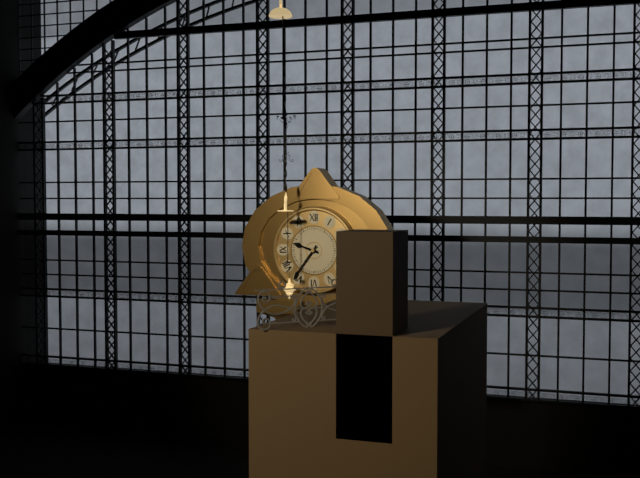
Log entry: 9h36
